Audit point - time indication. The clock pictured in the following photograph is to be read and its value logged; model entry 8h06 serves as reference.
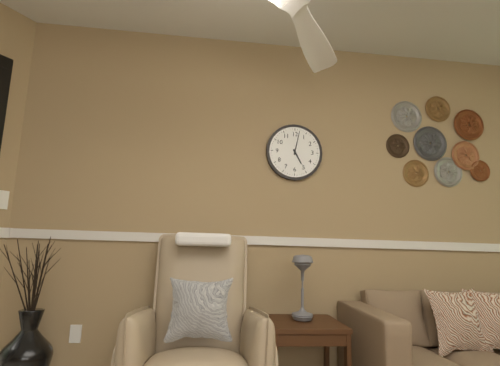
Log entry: 5h02
